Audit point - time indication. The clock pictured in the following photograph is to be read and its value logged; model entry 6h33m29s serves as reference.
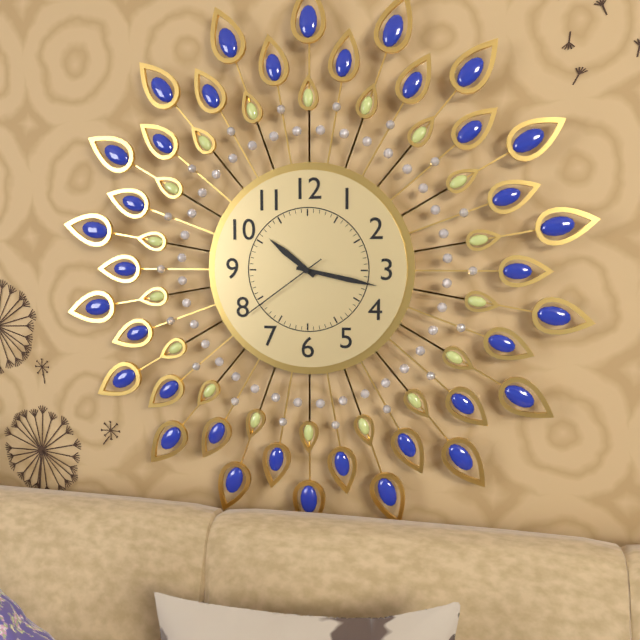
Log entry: 10h17m39s
